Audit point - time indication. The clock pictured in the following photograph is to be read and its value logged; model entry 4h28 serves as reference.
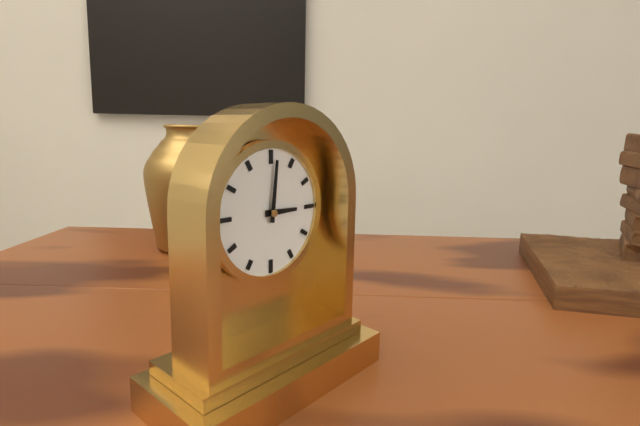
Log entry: 3h01
